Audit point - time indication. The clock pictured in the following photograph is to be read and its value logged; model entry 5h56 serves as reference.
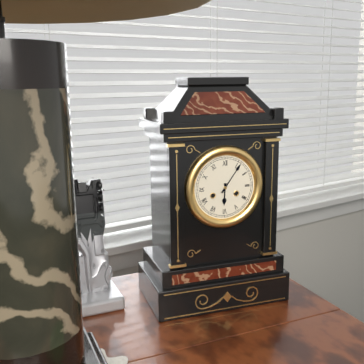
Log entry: 6h06
